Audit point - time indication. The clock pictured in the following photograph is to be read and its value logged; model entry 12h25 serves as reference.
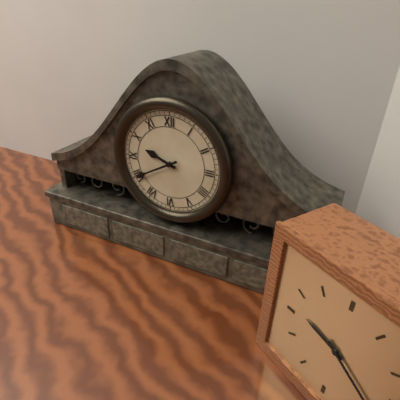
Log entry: 9h40
